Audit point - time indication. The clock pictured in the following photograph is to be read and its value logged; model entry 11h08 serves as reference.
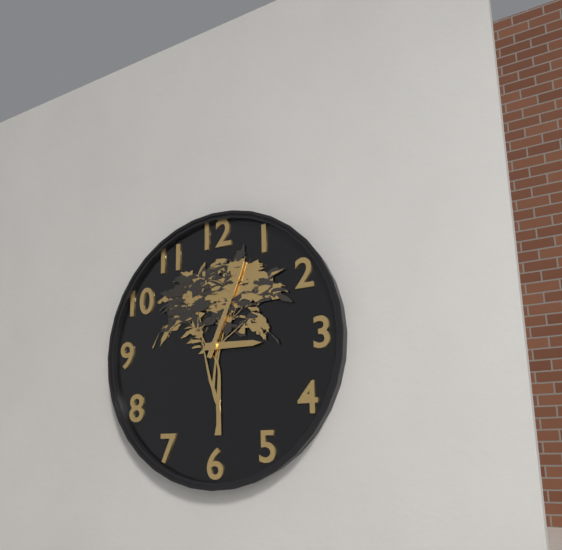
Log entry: 3h04
